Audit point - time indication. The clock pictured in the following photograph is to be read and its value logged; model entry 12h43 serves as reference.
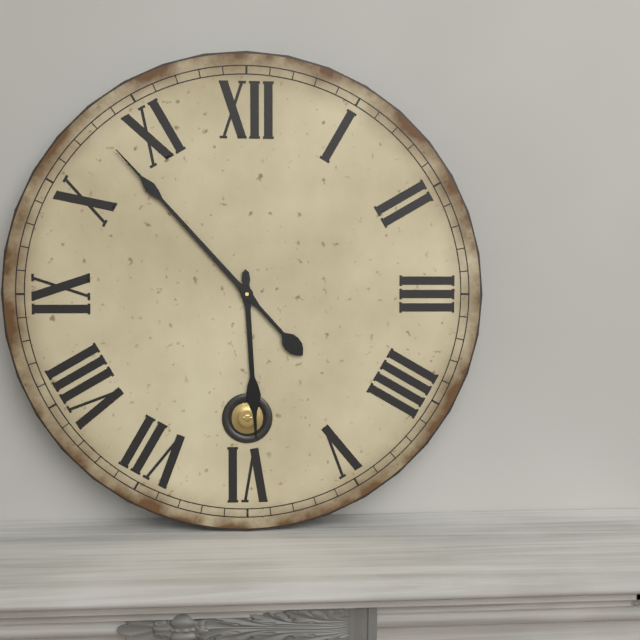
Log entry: 5h53
